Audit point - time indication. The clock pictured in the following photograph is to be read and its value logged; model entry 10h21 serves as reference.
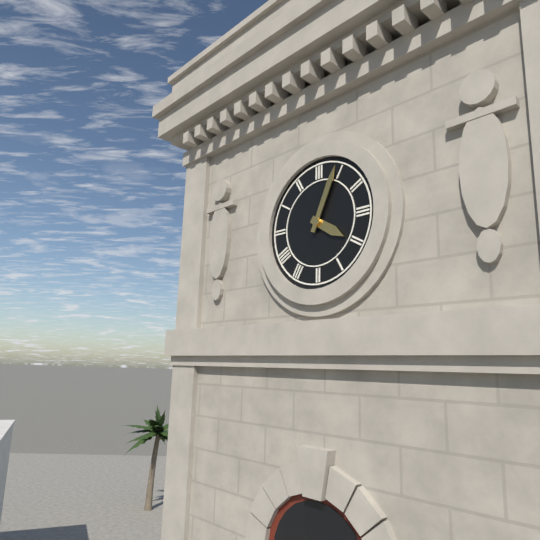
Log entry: 4h04
